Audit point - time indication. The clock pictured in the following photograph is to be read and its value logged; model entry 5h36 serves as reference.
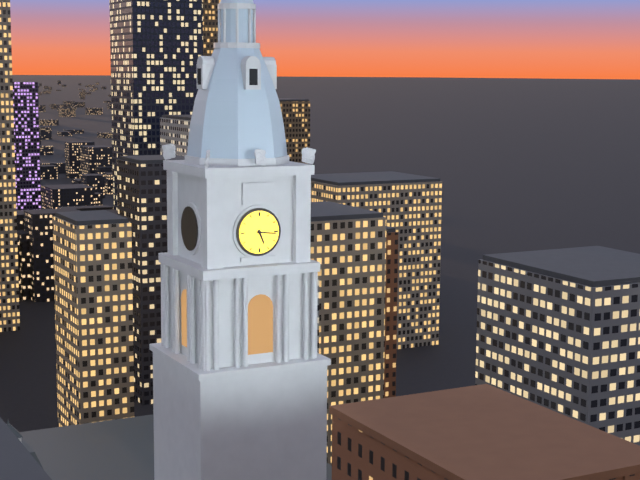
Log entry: 5h16
